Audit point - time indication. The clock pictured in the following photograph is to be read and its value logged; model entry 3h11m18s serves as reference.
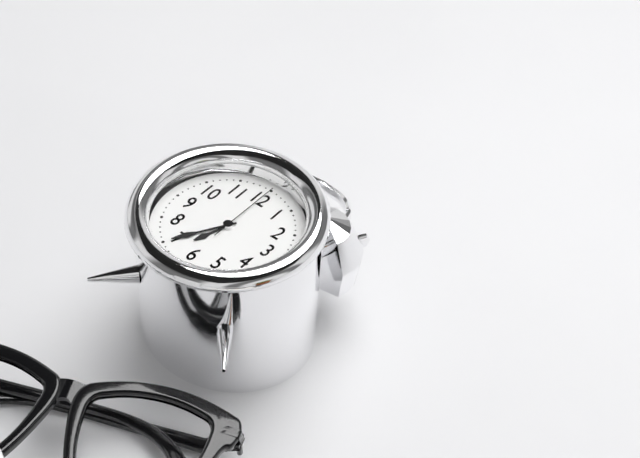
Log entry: 6h35m00s
